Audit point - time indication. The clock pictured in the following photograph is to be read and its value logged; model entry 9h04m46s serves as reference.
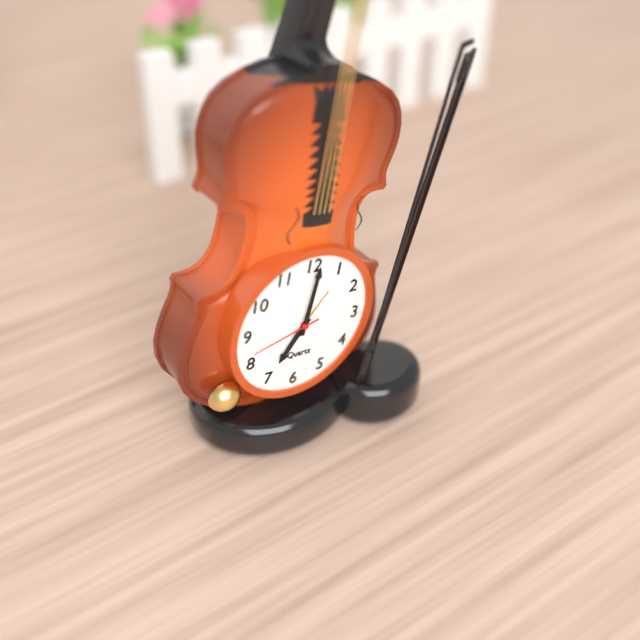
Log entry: 7h01m42s
